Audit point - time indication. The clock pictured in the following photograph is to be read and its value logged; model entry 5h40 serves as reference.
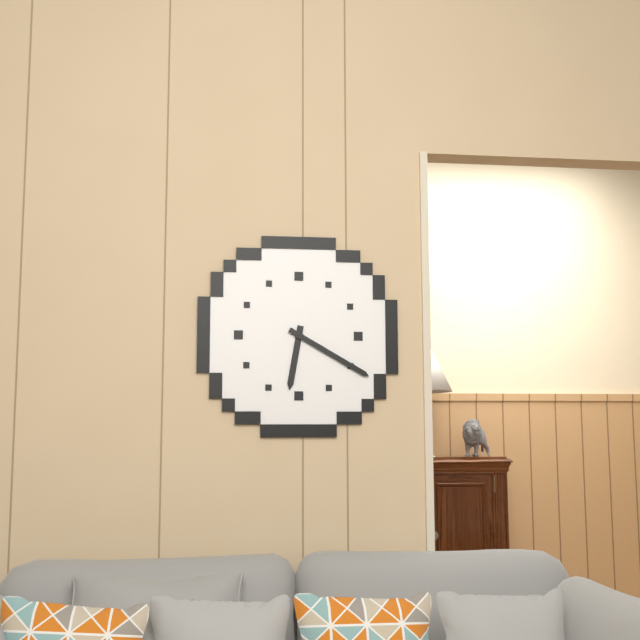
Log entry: 6h20
